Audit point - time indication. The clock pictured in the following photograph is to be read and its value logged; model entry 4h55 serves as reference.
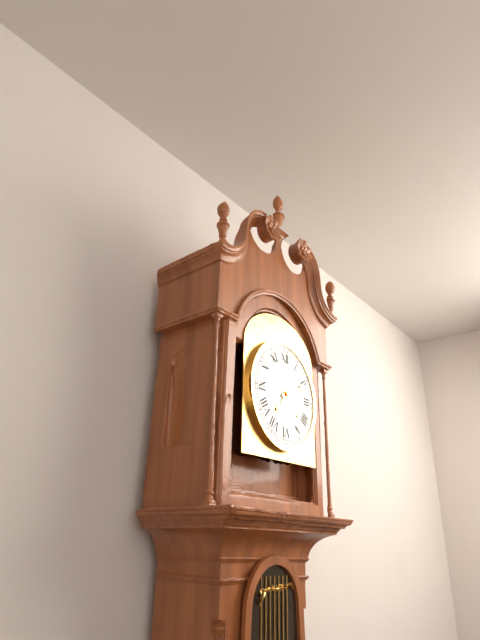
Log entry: 7h11
